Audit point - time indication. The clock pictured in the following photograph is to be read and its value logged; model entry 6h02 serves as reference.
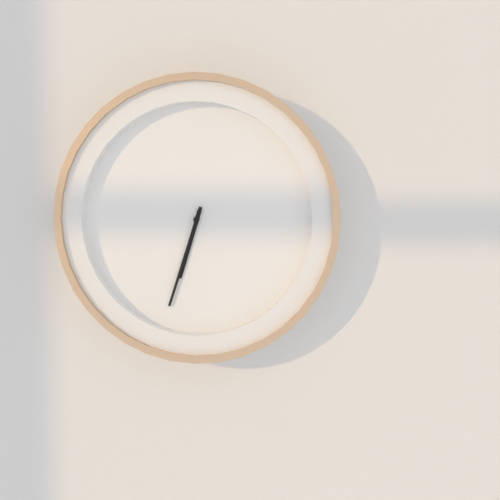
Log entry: 6h33
